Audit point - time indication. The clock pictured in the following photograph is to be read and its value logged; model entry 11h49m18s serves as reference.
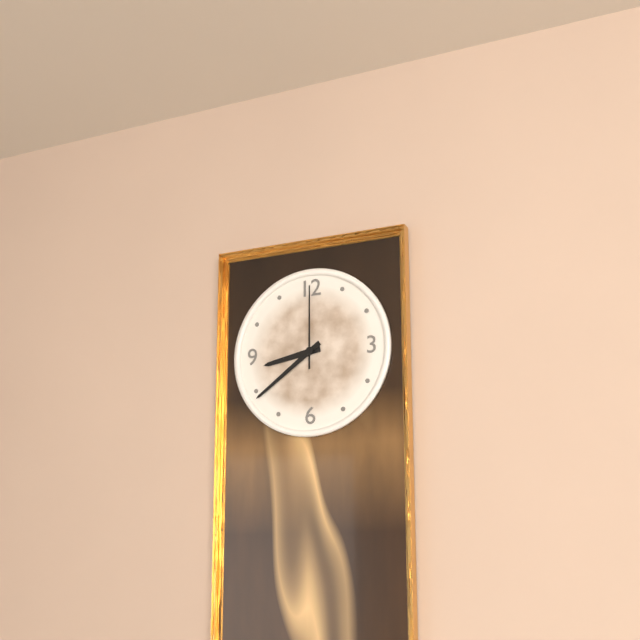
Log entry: 8h39m00s
